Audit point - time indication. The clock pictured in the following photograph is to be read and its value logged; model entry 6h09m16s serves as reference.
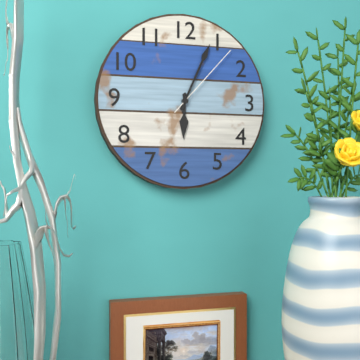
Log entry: 6h04m07s
